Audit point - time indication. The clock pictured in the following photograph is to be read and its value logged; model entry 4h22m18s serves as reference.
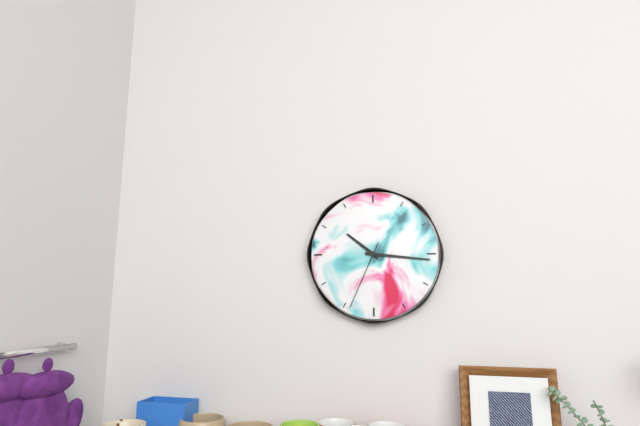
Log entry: 10h16m34s
